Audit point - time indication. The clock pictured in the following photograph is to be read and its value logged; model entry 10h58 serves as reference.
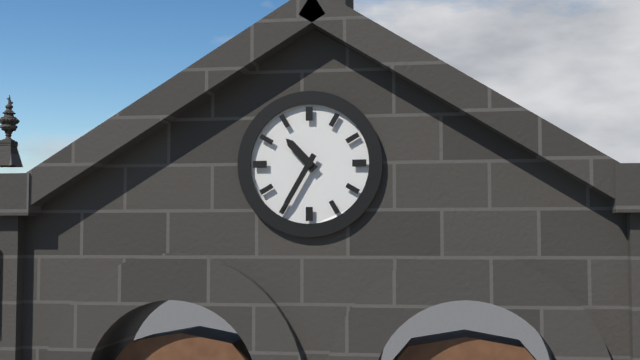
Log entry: 10h35
